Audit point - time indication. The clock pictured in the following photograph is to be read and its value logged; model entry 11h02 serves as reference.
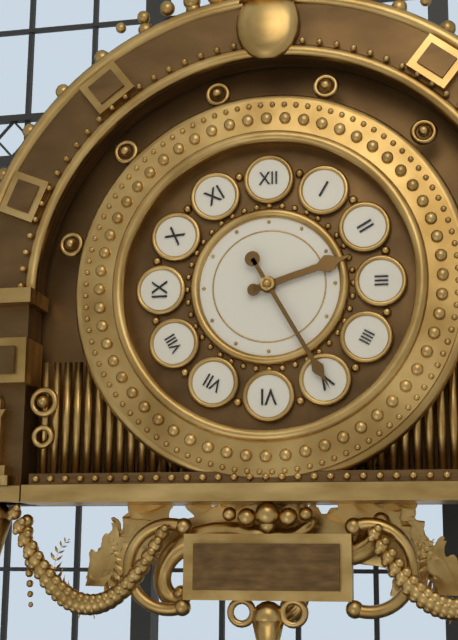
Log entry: 2h25
